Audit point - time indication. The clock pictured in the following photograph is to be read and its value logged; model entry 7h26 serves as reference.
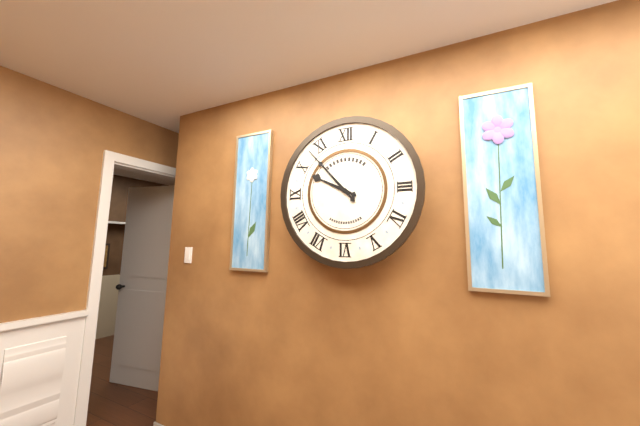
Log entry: 9h53
